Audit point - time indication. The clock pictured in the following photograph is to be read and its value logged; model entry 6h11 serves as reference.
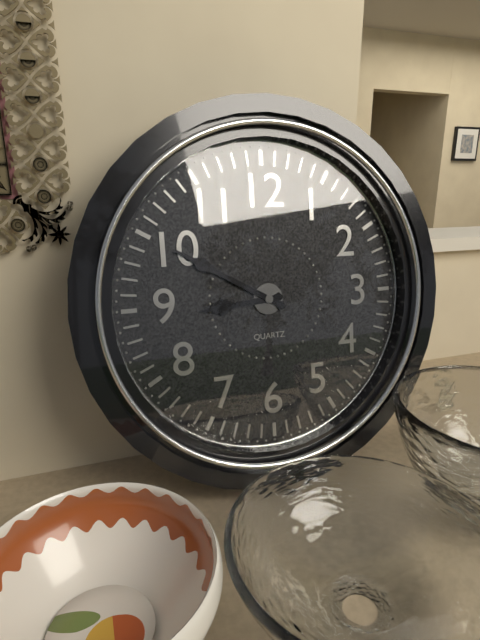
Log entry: 8h50
